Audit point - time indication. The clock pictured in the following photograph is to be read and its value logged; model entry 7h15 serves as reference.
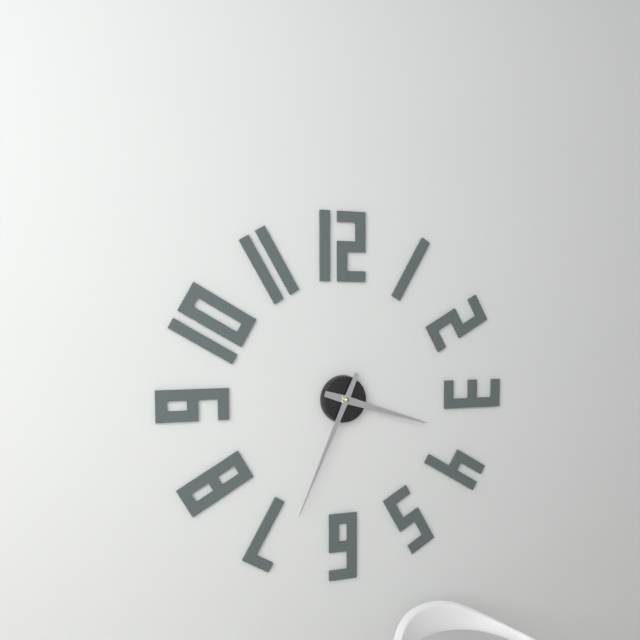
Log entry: 3h34
